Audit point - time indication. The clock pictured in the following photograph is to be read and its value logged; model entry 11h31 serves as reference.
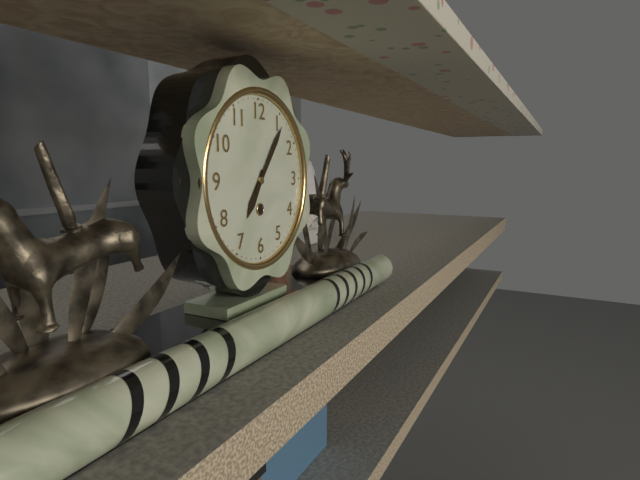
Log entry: 7h06
